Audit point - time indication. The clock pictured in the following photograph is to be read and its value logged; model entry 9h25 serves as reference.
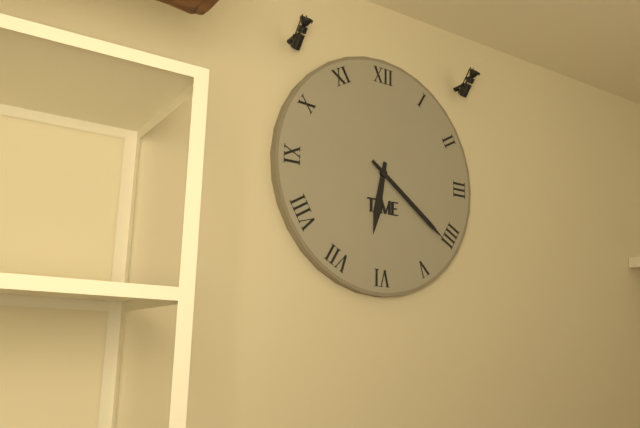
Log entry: 6h21
